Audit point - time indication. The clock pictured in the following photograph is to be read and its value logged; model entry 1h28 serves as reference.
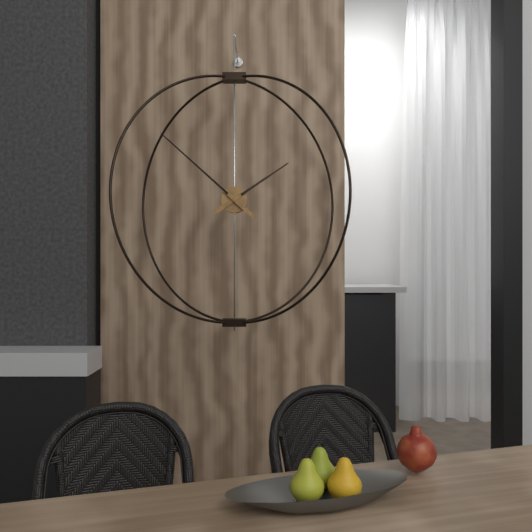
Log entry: 1h52
